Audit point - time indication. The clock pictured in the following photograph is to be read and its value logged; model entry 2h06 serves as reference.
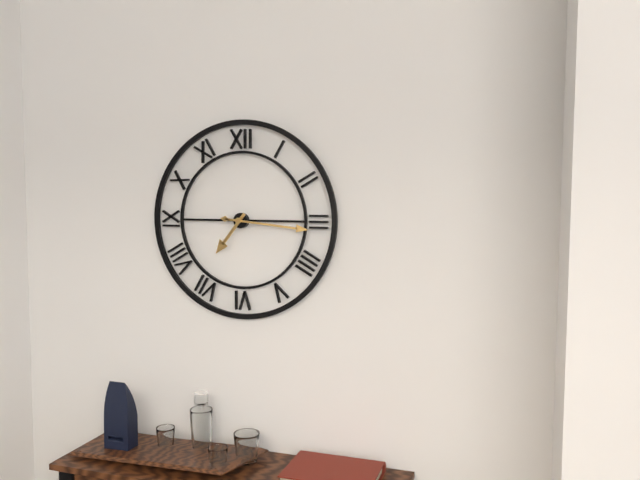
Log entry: 7h16
